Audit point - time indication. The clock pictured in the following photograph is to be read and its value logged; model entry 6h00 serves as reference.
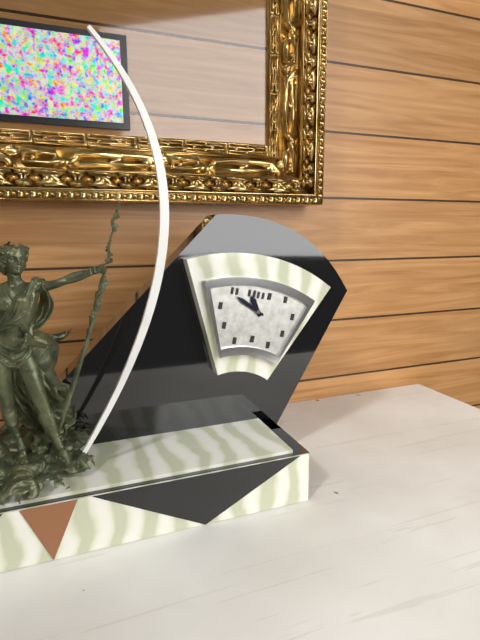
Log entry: 10h49
